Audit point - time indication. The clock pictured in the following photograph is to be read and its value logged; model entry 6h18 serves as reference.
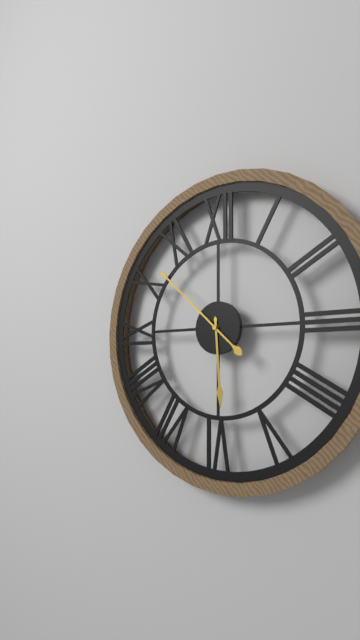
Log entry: 5h52
